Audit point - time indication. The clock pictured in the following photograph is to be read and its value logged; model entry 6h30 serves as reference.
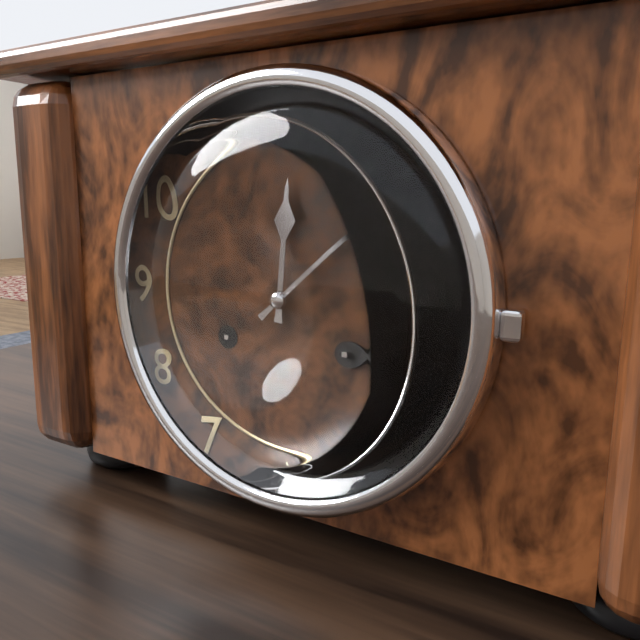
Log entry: 12h08
